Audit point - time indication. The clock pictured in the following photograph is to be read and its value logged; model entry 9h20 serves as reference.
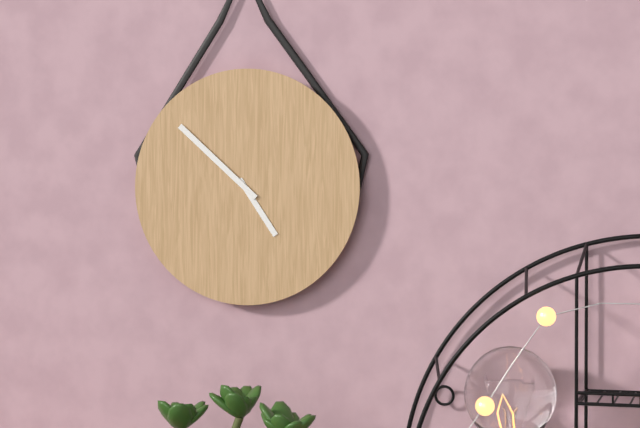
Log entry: 4h52
